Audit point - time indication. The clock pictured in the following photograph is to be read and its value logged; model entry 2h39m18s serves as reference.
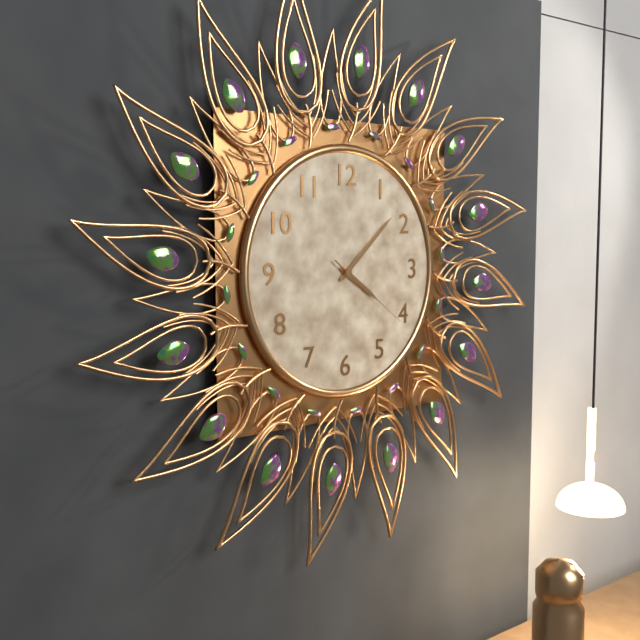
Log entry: 4h08m21s
